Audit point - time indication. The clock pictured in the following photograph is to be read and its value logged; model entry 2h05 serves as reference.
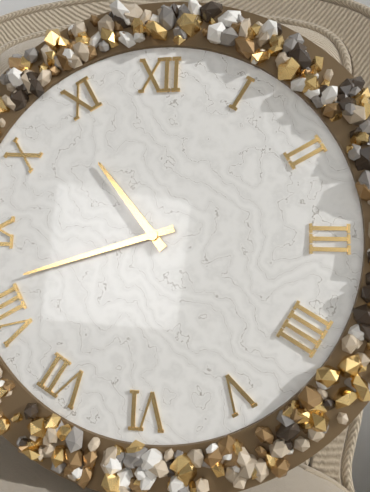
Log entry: 10h42
